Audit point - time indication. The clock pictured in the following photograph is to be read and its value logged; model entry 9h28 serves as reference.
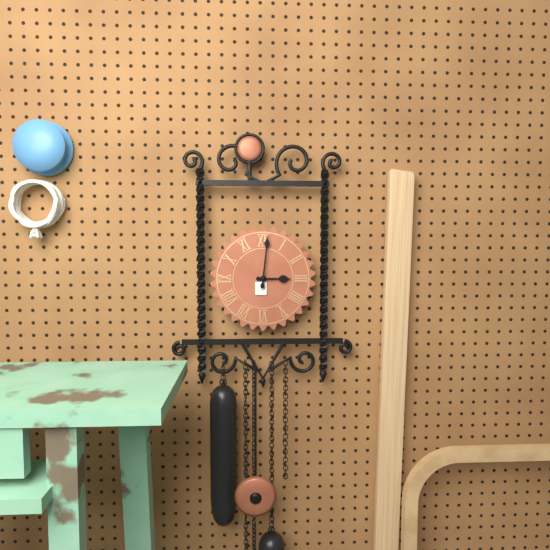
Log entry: 3h01
